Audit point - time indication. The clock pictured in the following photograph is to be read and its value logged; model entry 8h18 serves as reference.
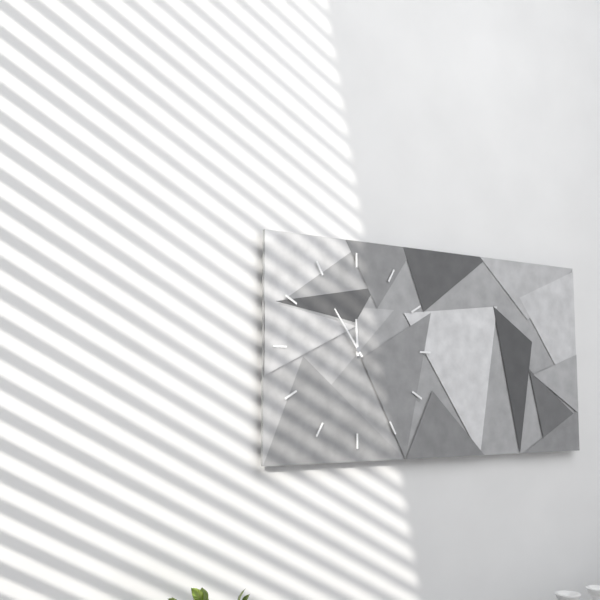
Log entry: 11h54
